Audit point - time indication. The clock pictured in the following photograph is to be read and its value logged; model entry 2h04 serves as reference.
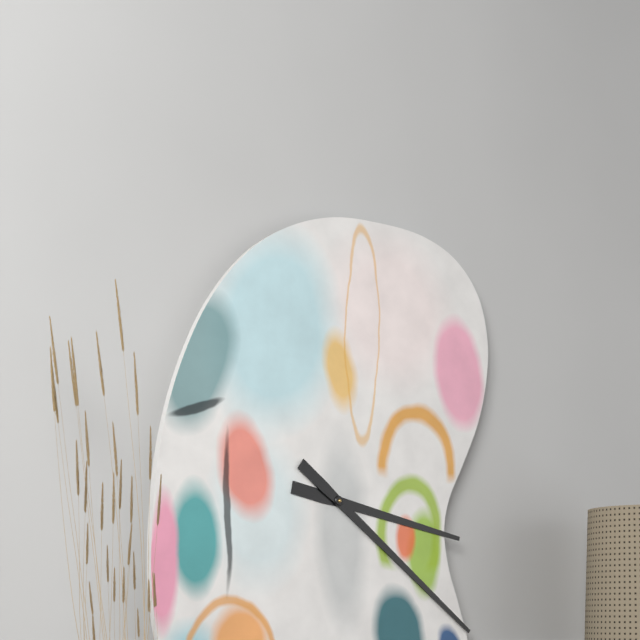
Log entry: 3h21
